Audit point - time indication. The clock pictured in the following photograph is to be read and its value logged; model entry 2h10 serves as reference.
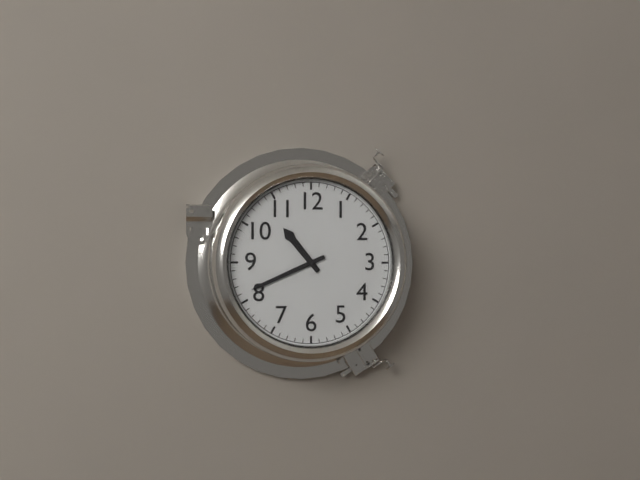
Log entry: 10h41
